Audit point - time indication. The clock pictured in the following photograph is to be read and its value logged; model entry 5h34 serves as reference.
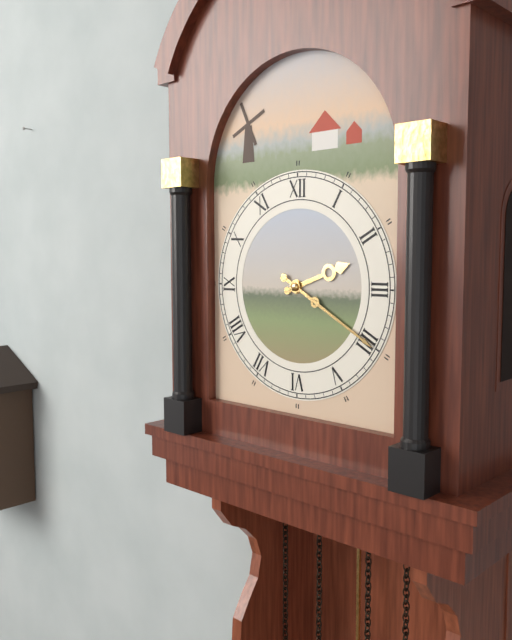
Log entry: 2h20
